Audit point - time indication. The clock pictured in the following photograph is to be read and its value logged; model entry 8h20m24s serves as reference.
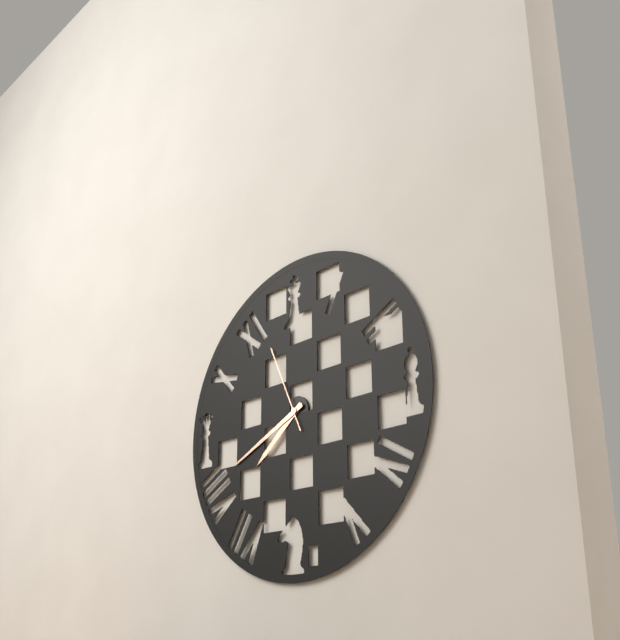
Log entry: 7h41m56s
